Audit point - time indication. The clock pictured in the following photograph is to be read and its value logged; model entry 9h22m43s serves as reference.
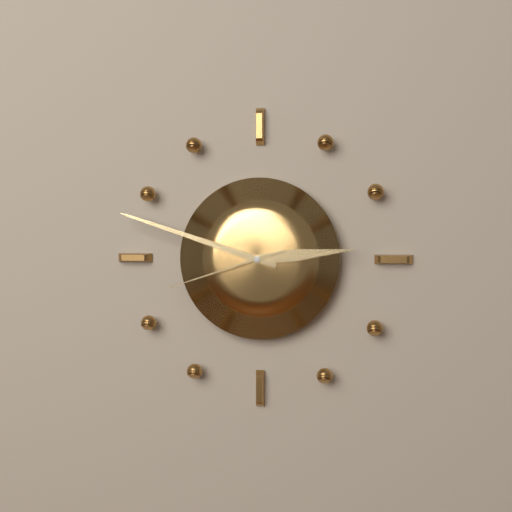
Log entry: 2h48m42s
